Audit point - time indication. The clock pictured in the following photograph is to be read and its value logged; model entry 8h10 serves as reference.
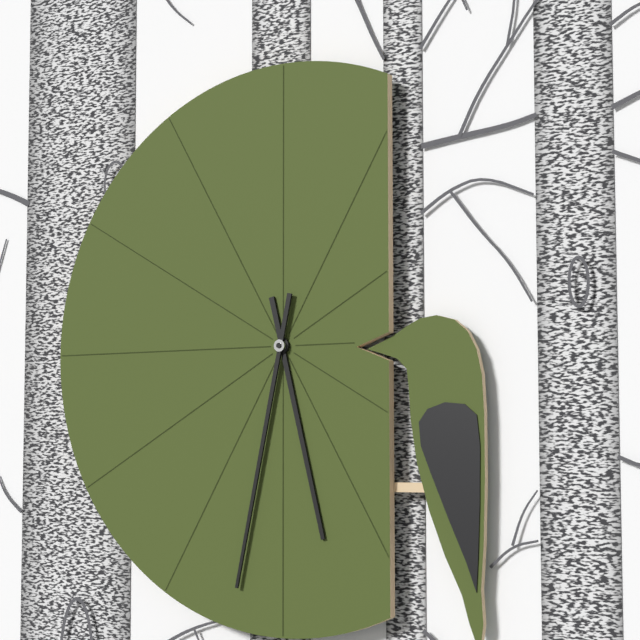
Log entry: 5h32
